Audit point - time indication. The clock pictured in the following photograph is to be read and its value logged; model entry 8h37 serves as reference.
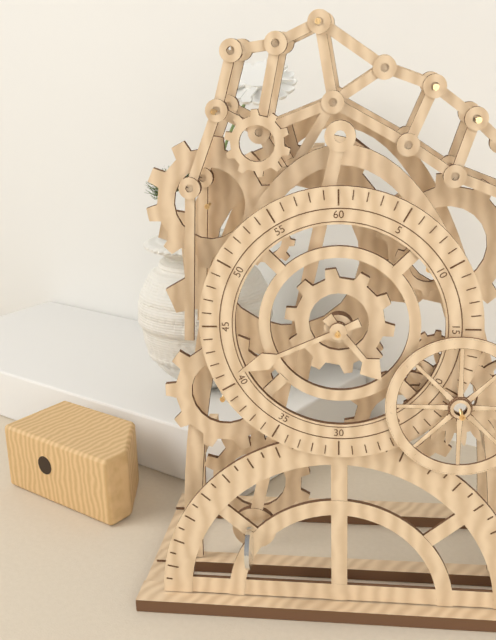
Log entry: 4h41
